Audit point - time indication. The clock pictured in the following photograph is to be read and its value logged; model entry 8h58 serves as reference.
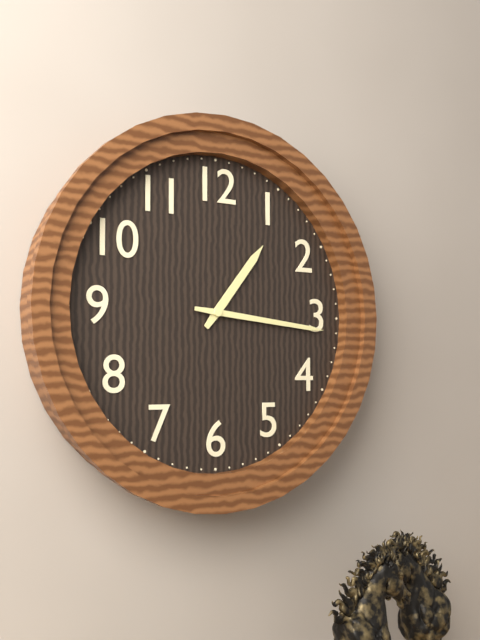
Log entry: 1h16
